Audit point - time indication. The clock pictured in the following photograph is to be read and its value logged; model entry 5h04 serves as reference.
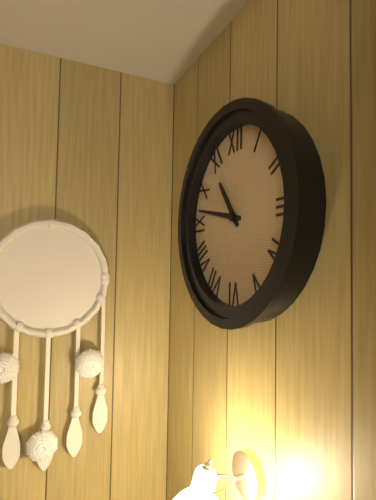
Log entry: 10h47
